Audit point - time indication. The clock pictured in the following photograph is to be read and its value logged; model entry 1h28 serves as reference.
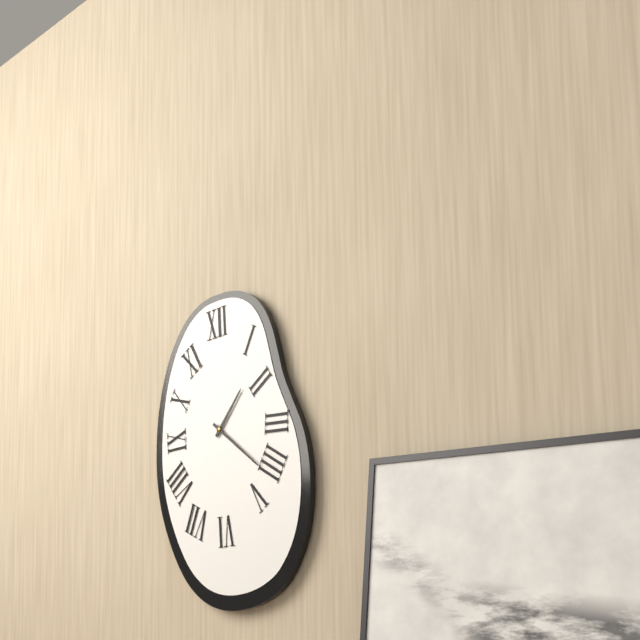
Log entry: 1h21
